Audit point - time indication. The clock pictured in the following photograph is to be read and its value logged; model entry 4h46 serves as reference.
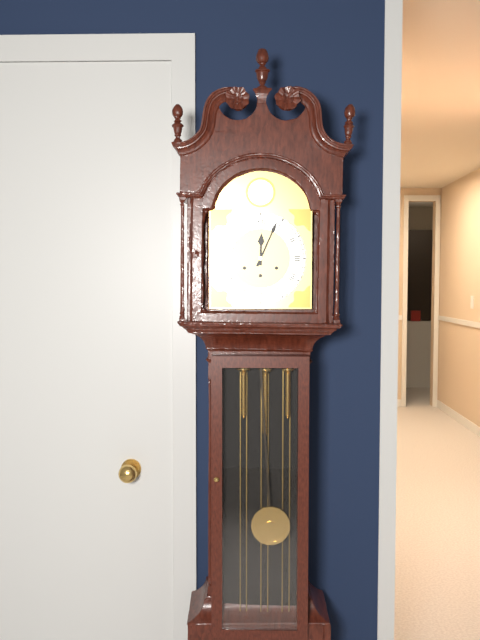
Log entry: 12h04
